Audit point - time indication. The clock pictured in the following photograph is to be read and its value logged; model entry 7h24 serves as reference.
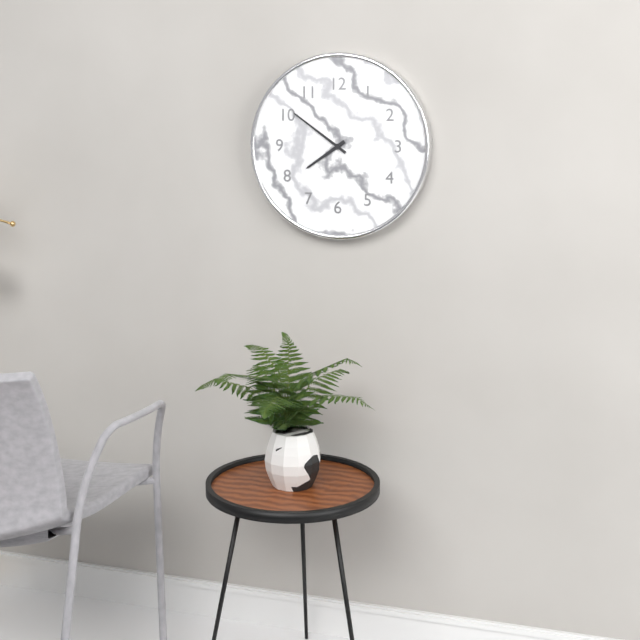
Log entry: 7h51
